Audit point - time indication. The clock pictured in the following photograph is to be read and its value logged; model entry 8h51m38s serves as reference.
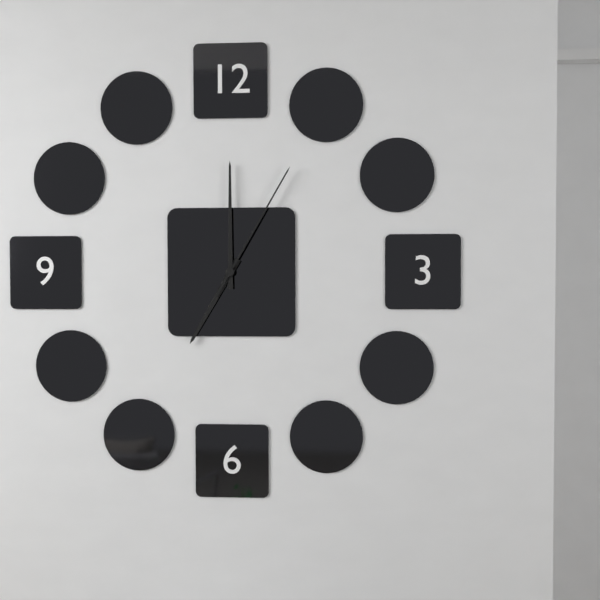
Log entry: 7h00m05s
